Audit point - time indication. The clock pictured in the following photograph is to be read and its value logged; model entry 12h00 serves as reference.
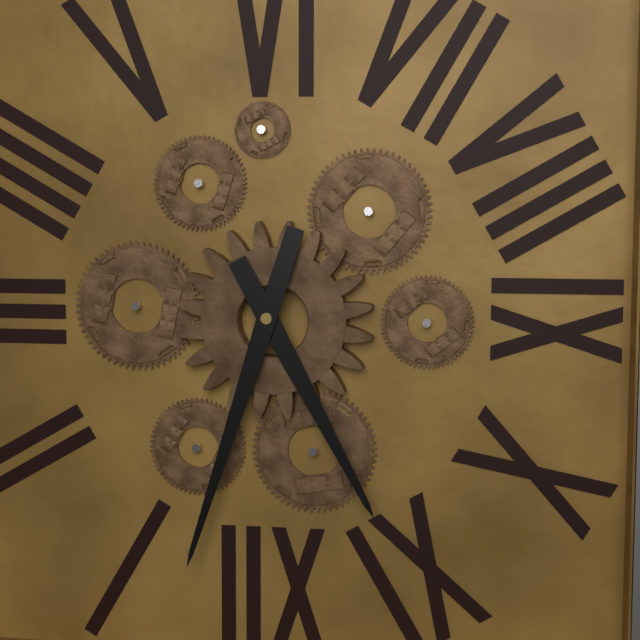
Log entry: 11h03
